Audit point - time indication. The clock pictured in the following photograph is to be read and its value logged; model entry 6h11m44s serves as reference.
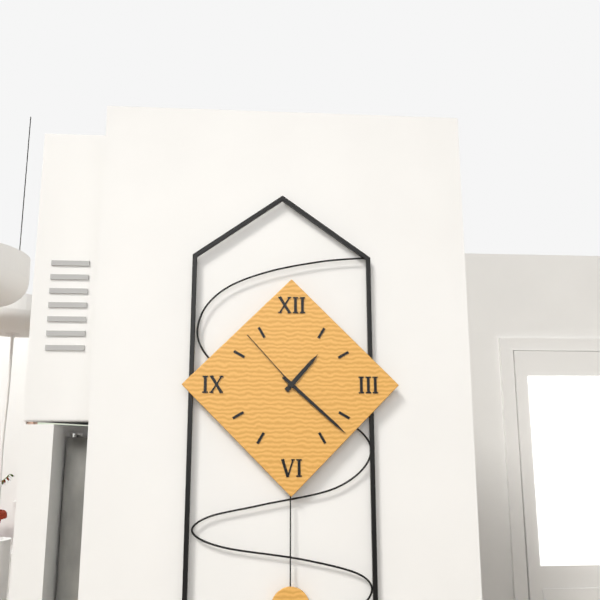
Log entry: 1h22m53s
